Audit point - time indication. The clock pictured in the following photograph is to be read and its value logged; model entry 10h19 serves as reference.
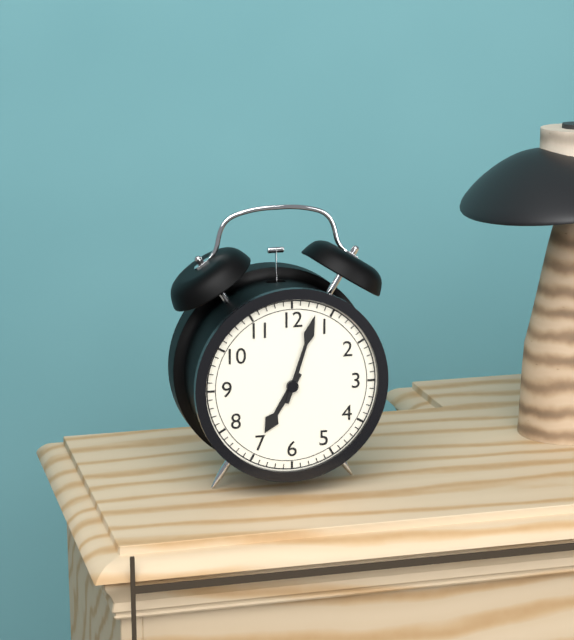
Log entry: 7h03
